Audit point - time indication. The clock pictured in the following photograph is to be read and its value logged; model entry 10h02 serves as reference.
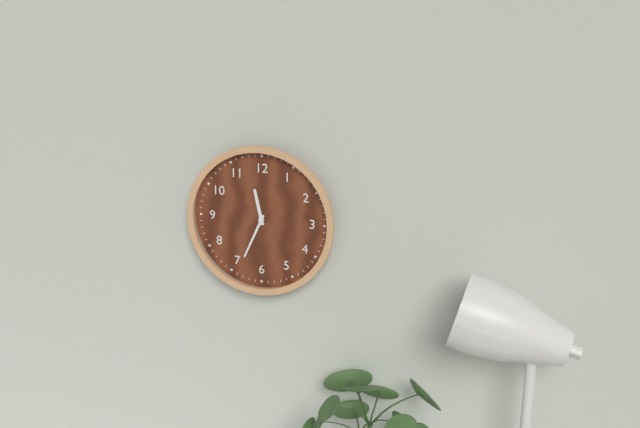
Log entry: 11h34
